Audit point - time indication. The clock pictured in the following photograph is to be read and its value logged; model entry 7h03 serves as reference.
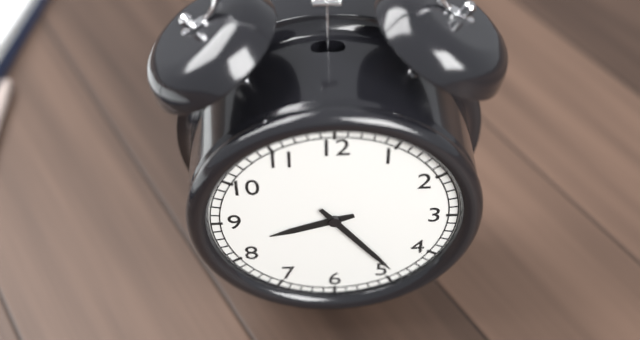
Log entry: 8h24
